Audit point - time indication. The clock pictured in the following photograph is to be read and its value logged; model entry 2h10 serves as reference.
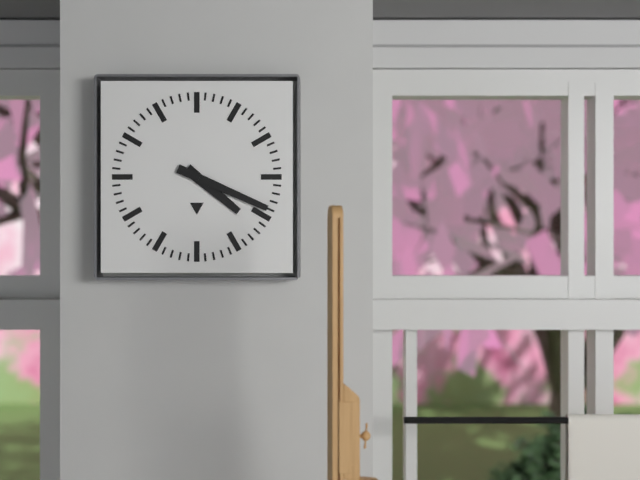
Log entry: 4h19
